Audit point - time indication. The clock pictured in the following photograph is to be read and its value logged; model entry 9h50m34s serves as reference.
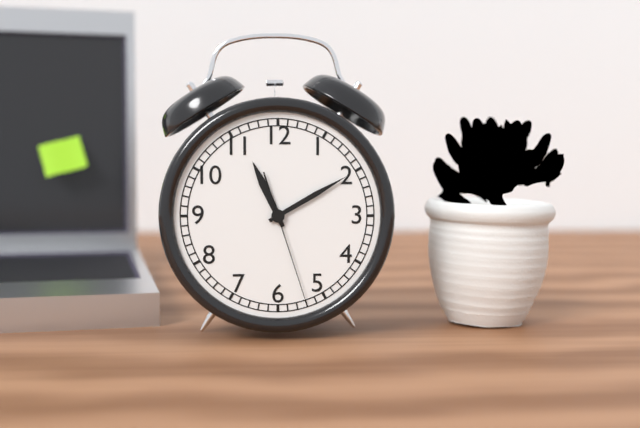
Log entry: 11h10m27s
